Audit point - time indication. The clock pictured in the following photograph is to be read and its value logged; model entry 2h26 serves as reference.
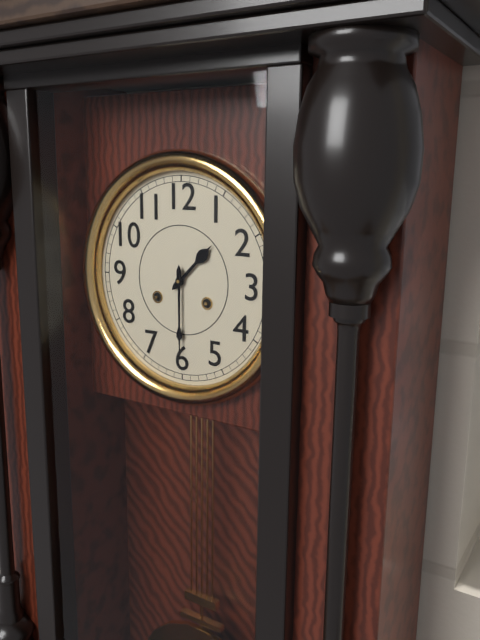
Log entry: 1h30
